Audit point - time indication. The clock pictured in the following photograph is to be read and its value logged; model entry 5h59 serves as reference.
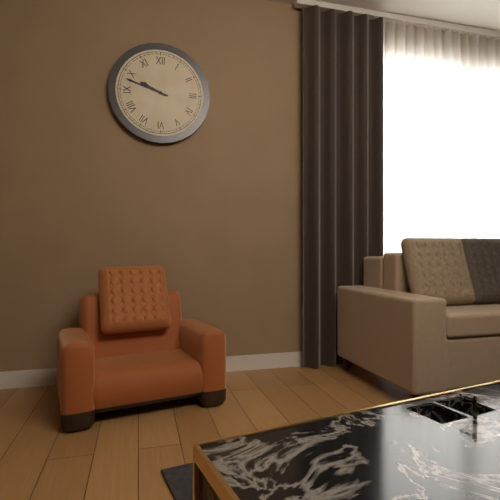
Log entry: 9h48
